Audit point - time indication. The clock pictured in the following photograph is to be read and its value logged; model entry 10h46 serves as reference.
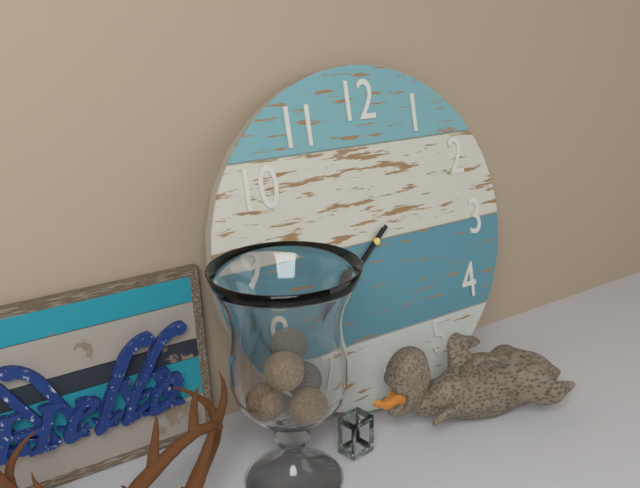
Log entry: 7h38
